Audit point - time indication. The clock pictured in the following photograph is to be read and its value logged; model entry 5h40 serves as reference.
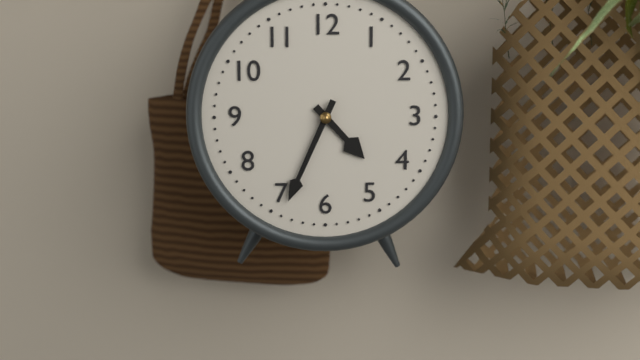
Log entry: 4h34
